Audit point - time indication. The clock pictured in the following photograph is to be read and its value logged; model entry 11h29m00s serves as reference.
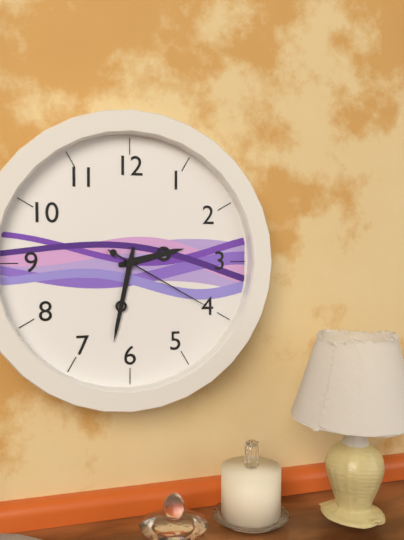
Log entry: 2h32m20s
